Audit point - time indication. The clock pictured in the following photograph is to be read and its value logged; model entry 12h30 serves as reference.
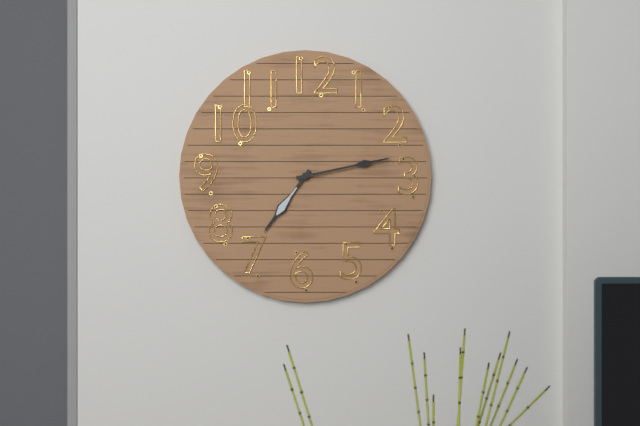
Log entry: 7h13
